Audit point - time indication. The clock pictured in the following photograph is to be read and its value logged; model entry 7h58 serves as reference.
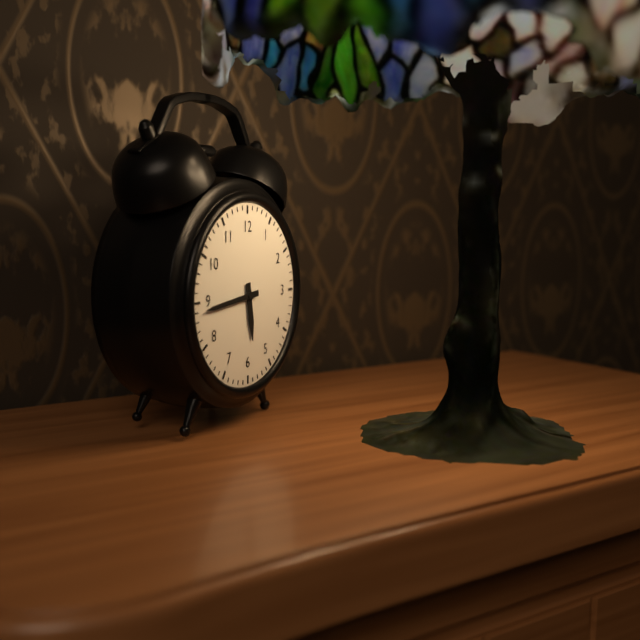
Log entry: 5h44
